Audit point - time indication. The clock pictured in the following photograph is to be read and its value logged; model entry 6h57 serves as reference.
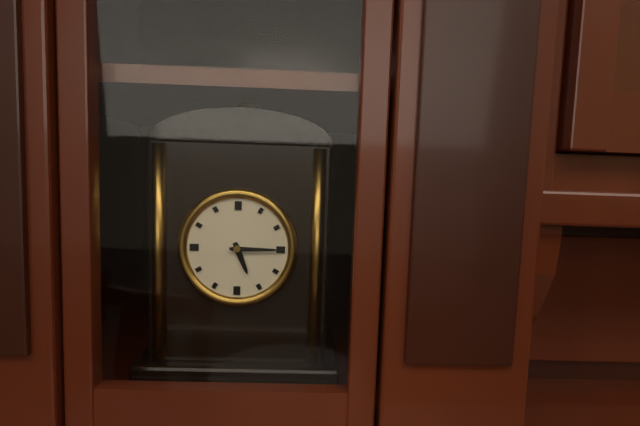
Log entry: 5h15
